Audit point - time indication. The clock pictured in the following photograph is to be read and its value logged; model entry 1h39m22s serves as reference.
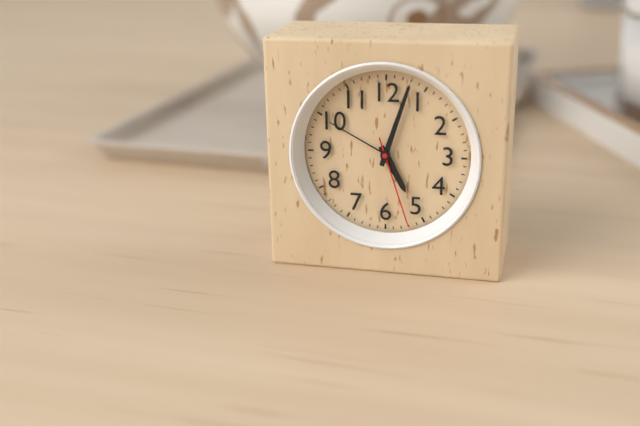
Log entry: 5h03m27s
